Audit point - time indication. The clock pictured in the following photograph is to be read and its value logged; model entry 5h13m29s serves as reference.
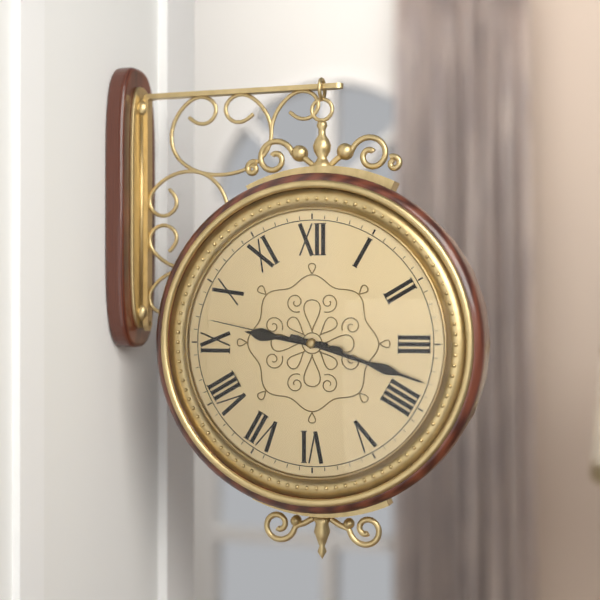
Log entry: 9h18m47s
